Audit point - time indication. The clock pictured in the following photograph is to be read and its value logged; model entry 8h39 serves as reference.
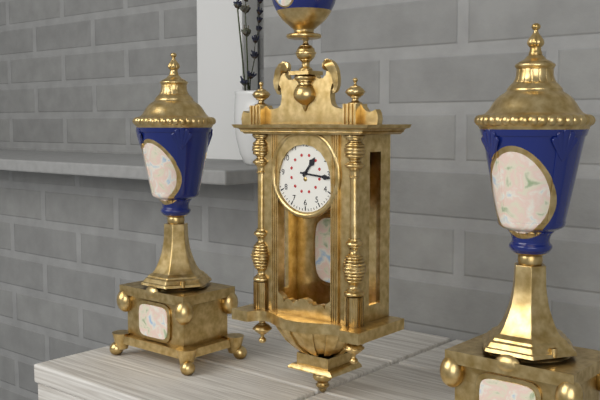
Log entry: 1h16
